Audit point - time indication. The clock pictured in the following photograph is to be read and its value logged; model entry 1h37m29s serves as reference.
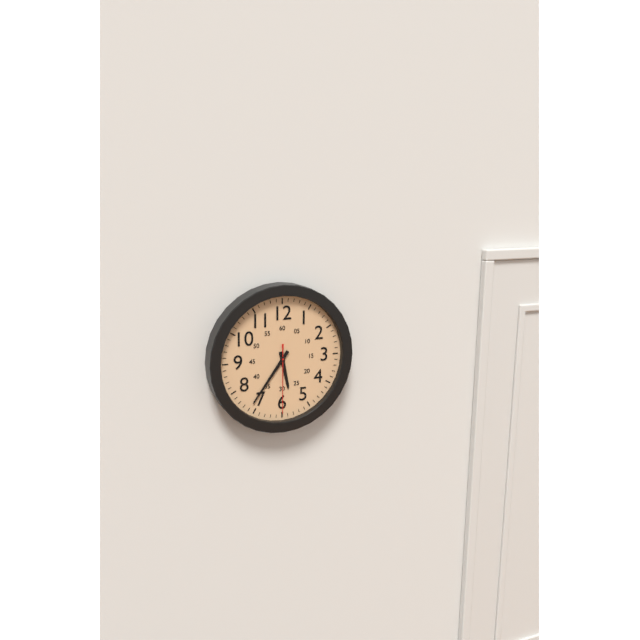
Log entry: 5h36m30s
